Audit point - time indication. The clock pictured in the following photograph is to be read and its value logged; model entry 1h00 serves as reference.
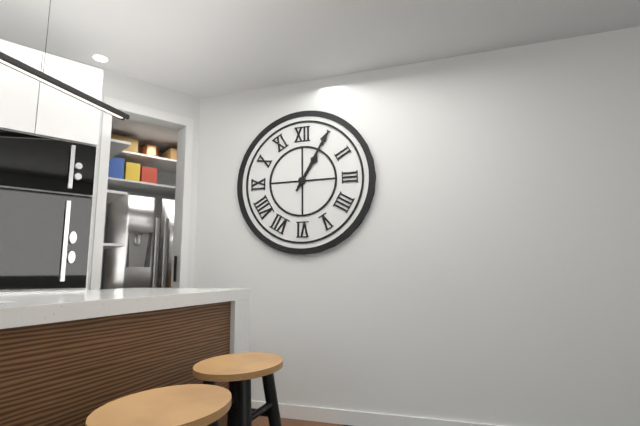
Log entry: 1h05
